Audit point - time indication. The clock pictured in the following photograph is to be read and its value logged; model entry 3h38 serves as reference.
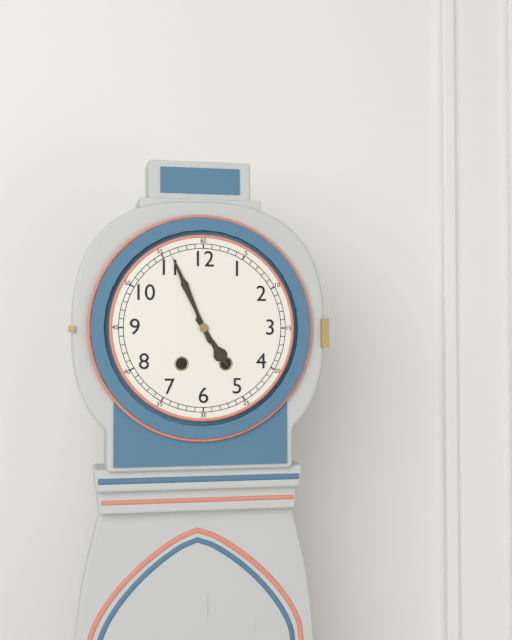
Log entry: 4h56
